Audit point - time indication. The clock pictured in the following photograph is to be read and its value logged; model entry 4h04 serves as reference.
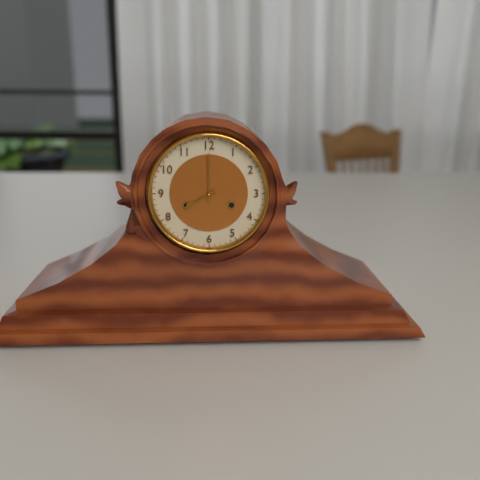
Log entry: 8h00
